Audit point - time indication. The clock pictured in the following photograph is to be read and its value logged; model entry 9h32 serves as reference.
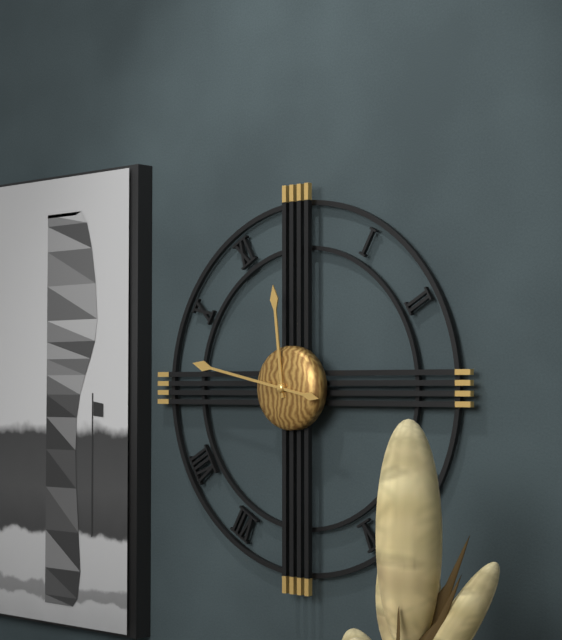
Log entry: 11h47
